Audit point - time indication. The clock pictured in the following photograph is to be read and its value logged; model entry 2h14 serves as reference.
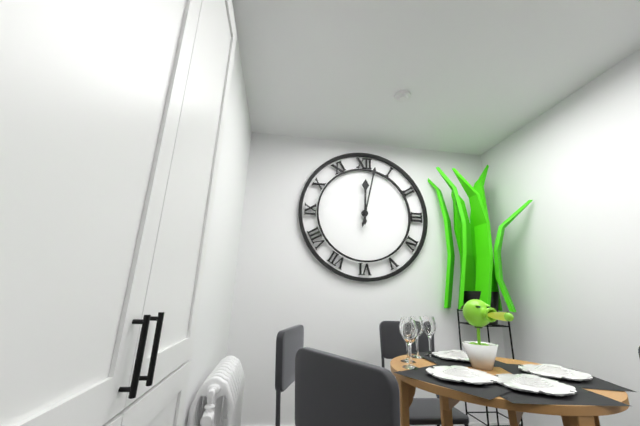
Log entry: 12h02
